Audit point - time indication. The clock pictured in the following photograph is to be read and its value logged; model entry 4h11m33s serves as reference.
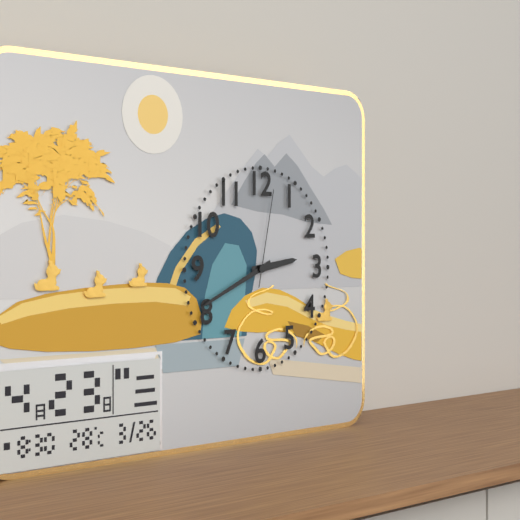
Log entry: 2h41m02s
